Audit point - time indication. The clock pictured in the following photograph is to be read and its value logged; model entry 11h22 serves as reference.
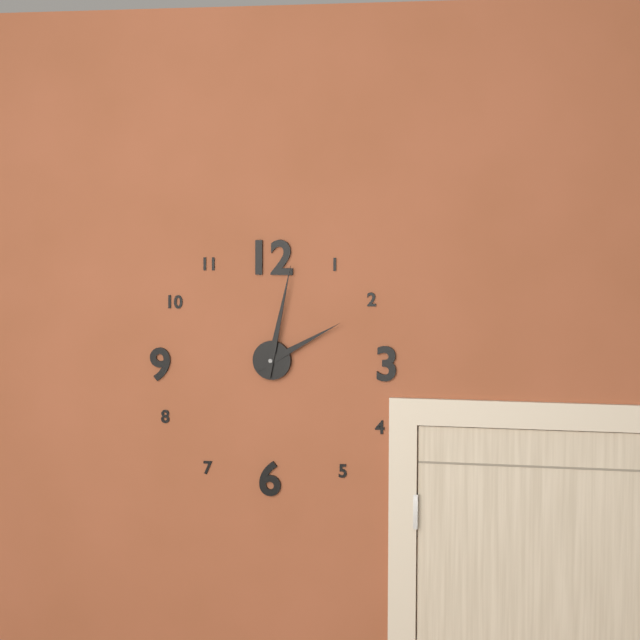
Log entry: 2h02
